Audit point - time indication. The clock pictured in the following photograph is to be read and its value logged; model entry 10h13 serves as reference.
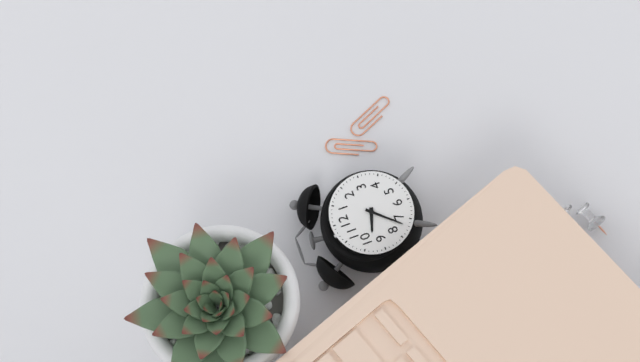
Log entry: 9h37
